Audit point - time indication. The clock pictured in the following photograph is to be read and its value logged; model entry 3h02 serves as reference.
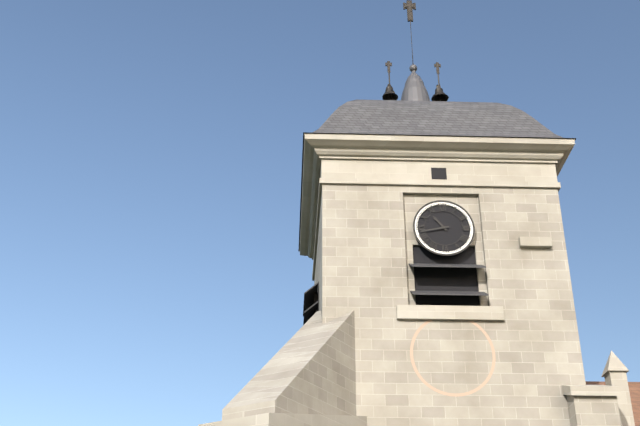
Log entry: 10h43
